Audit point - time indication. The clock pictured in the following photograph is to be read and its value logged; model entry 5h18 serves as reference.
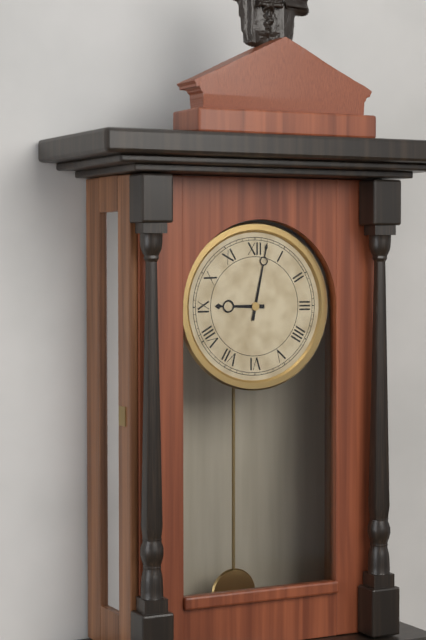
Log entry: 9h02
